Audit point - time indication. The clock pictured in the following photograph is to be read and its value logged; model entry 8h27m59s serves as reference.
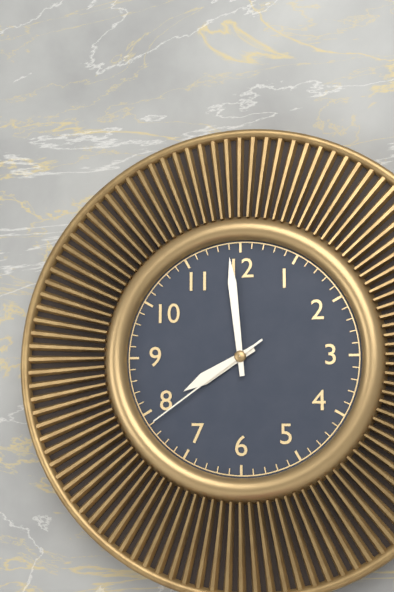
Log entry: 7h59m39s
